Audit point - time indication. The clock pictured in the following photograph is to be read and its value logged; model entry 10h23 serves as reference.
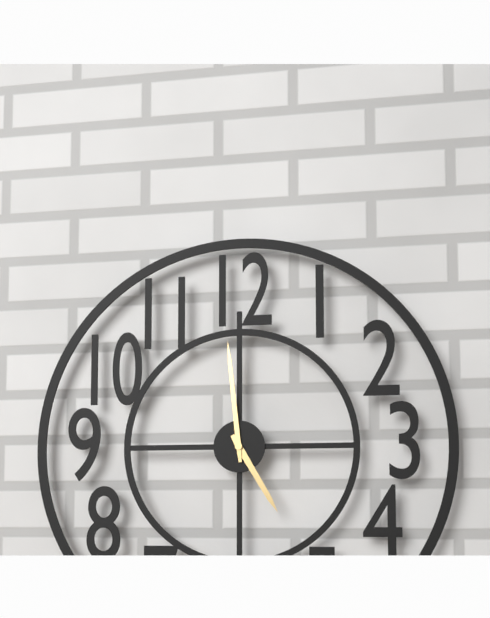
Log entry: 4h59
